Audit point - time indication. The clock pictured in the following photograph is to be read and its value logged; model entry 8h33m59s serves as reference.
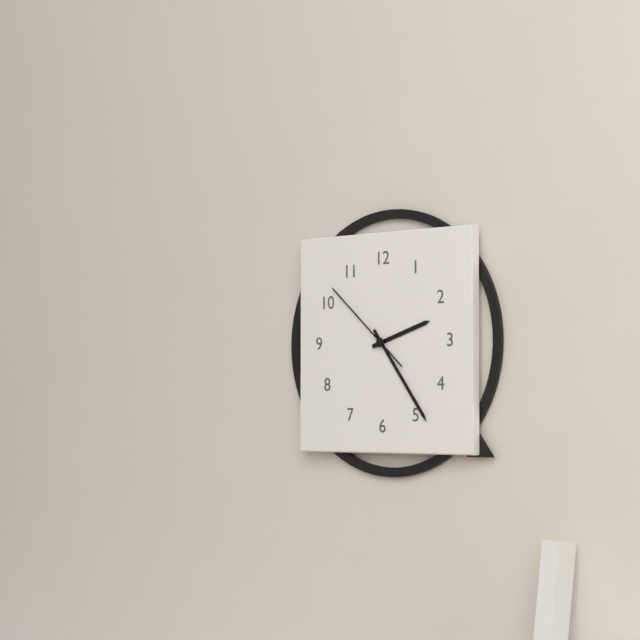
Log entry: 2h24m52s
